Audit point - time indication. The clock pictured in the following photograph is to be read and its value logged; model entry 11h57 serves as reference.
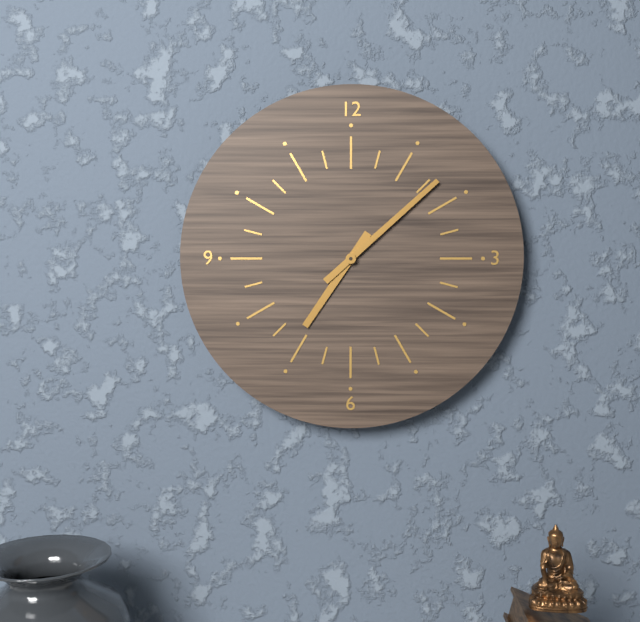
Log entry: 7h08
